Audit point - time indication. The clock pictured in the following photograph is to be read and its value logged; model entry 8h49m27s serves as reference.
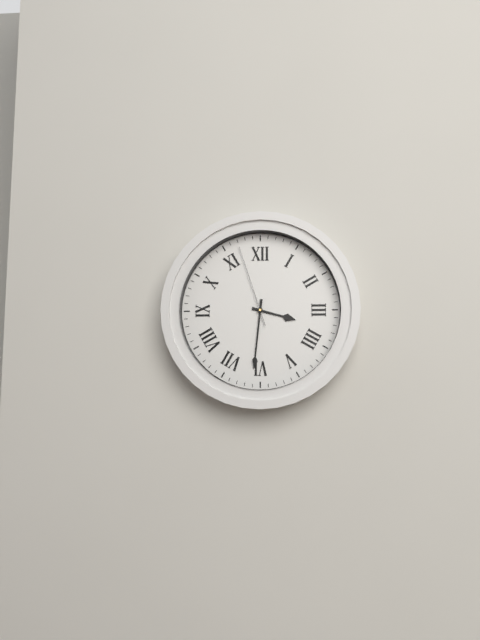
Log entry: 3h31m57s
